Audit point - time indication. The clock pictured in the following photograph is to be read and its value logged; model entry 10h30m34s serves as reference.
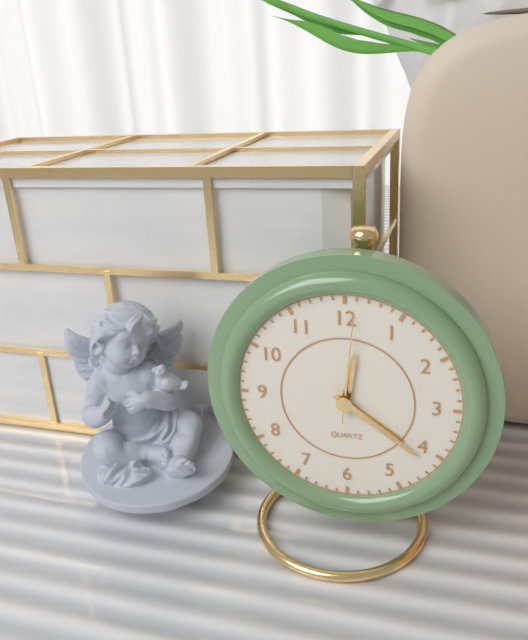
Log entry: 12h21m01s
